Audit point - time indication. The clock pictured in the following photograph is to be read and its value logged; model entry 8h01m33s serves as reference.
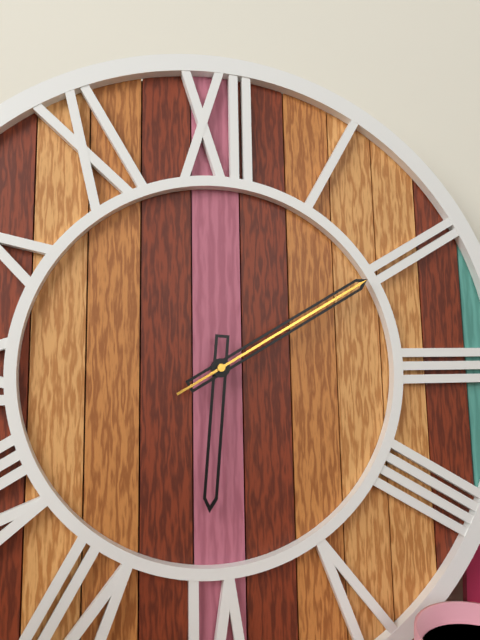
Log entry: 6h10m10s
